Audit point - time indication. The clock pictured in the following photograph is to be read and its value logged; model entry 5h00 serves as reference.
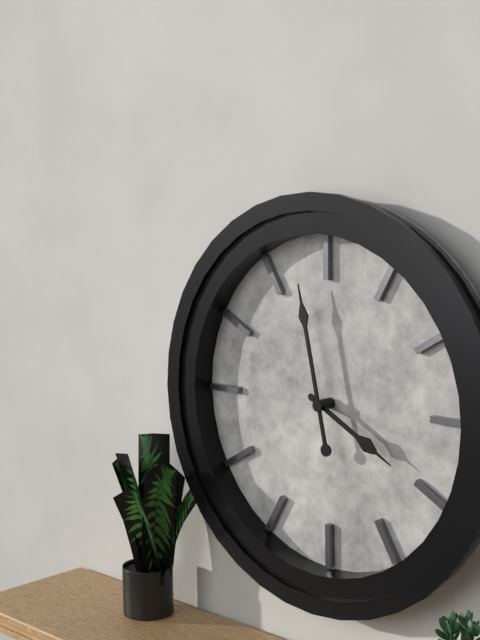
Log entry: 3h58
